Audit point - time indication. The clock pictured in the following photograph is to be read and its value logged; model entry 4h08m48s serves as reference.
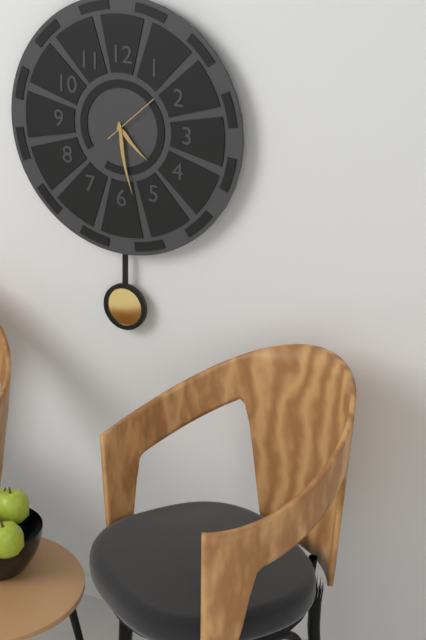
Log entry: 4h28m08s
